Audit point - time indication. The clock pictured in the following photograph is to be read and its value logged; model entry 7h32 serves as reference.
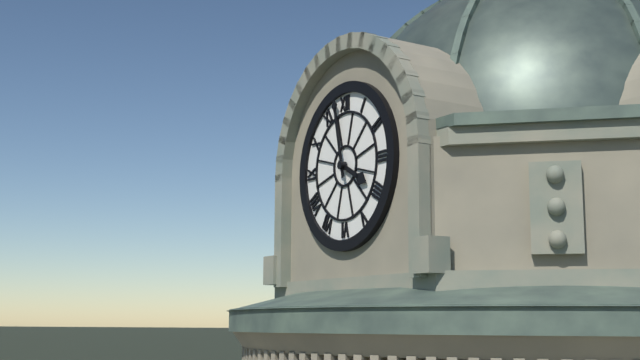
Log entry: 3h58
